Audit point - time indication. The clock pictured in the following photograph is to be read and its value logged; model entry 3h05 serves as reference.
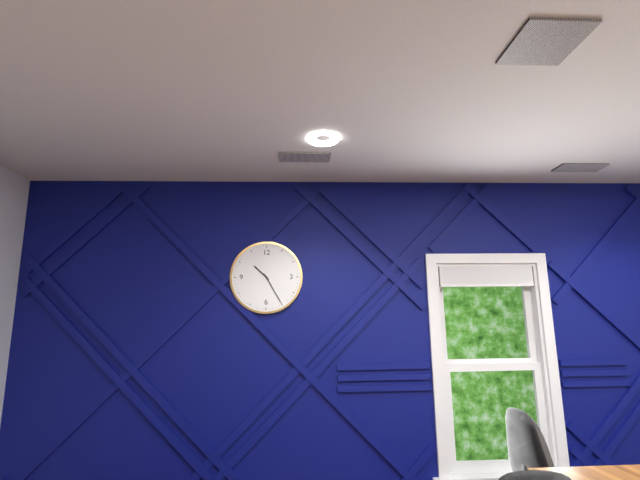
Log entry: 10h25
